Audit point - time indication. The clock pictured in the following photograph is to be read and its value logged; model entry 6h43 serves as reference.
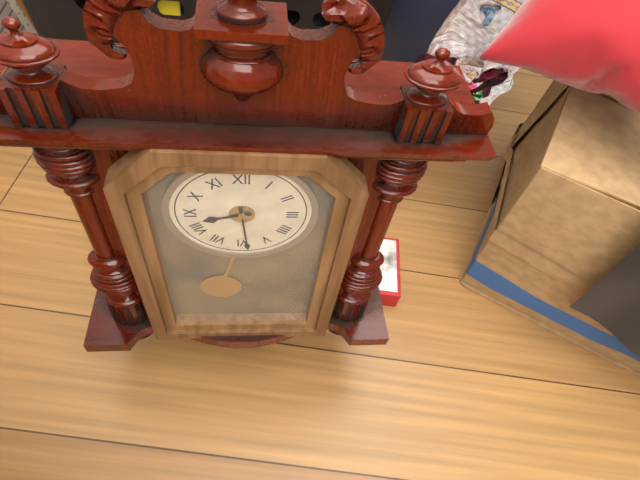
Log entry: 8h29
